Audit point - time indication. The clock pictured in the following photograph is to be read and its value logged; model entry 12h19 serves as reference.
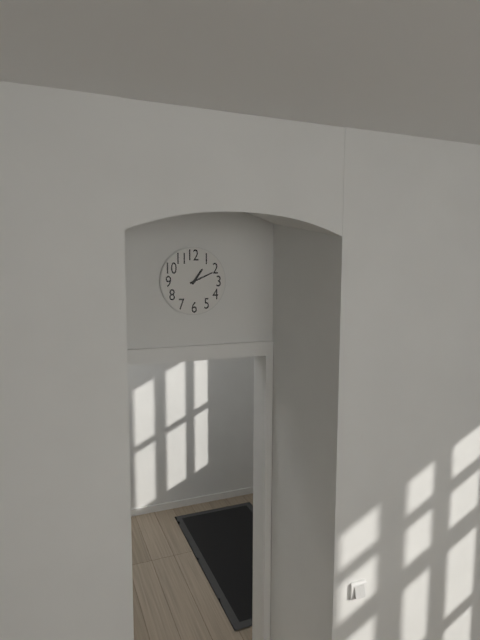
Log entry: 1h11
